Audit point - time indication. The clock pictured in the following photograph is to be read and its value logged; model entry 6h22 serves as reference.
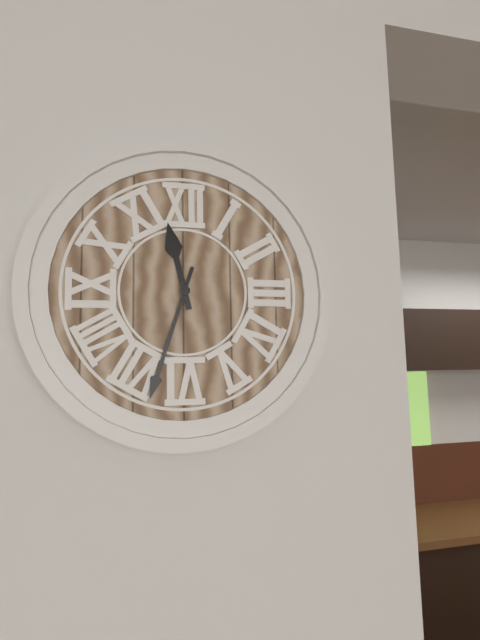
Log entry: 11h33
